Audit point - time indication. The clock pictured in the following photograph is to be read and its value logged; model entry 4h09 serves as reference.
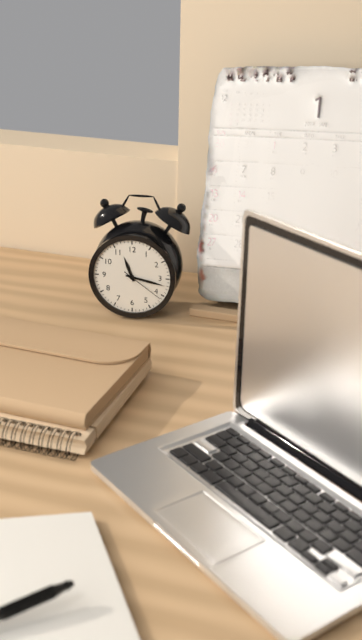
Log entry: 11h17
